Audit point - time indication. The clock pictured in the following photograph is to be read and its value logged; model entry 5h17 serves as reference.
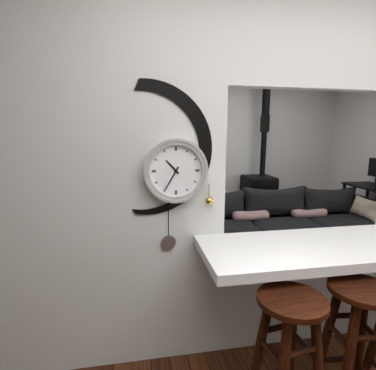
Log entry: 10h35
